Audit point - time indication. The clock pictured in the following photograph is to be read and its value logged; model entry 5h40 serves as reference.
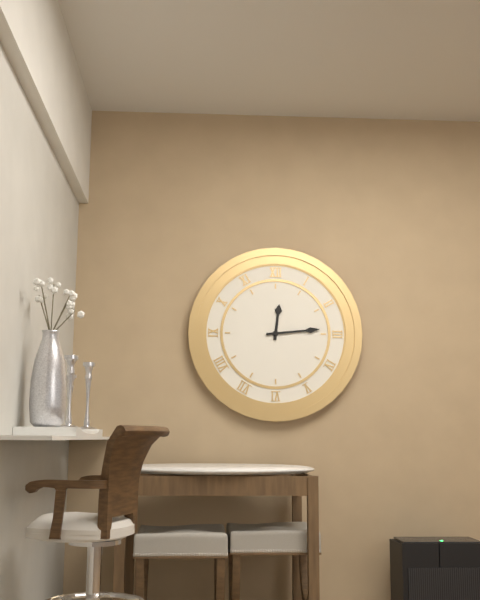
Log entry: 12h14
